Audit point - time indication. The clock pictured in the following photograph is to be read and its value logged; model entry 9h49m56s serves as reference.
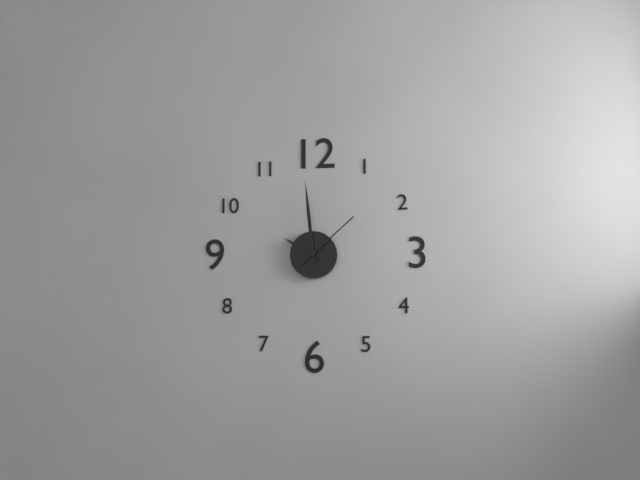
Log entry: 9h59m08s
